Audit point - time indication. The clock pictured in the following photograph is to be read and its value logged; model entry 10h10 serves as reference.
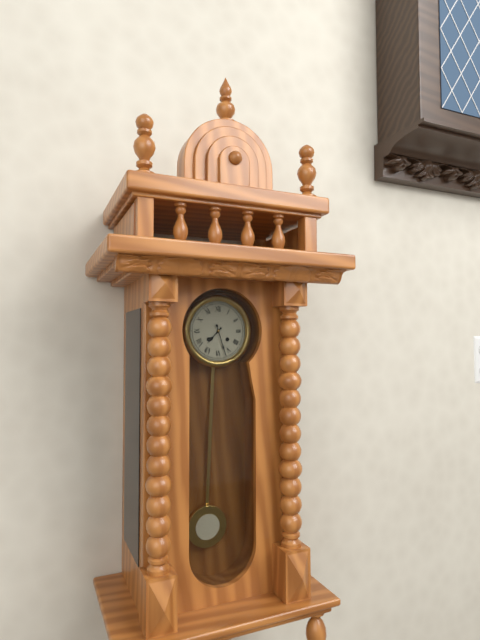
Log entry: 7h27
